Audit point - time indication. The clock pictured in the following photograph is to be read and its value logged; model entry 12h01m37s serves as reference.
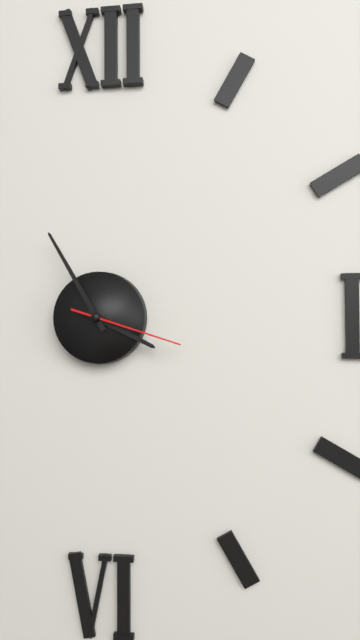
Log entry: 3h55m18s
